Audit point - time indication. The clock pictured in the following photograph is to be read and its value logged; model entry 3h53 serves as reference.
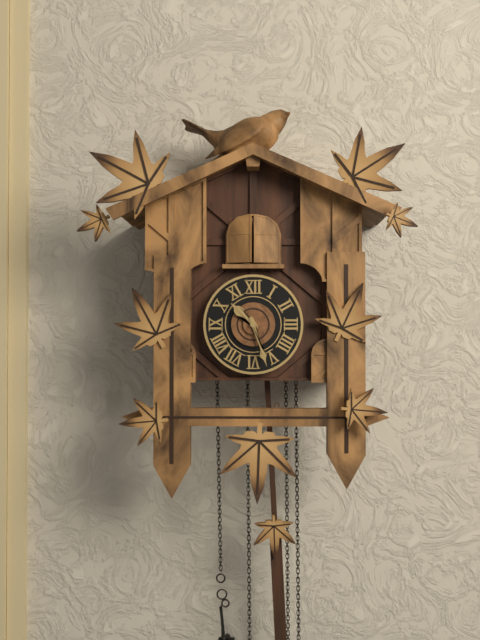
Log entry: 10h27
